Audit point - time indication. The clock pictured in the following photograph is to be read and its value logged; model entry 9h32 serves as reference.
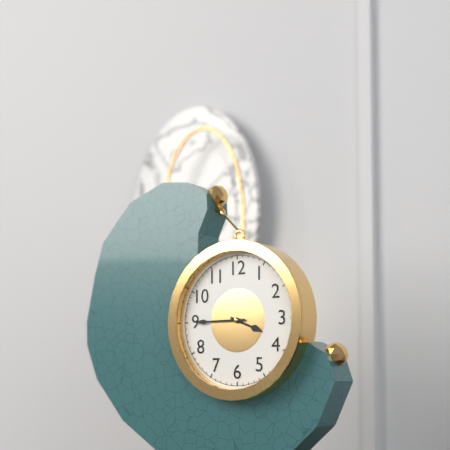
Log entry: 3h45
